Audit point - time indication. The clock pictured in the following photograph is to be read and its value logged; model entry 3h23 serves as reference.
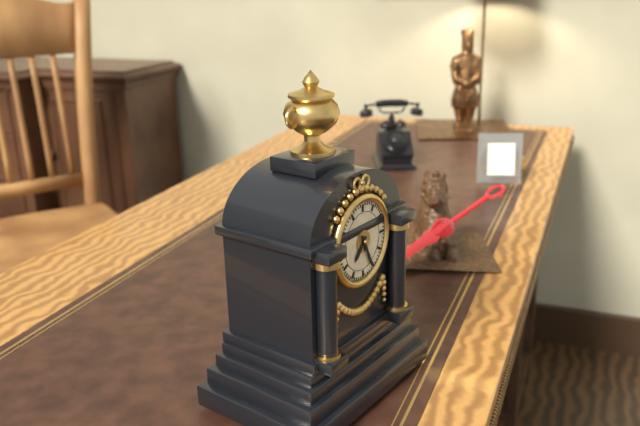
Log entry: 7h26
